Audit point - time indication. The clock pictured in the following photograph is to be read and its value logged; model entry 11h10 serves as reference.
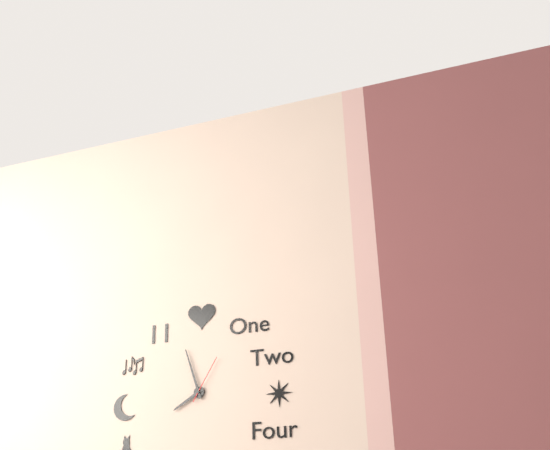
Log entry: 7h57
